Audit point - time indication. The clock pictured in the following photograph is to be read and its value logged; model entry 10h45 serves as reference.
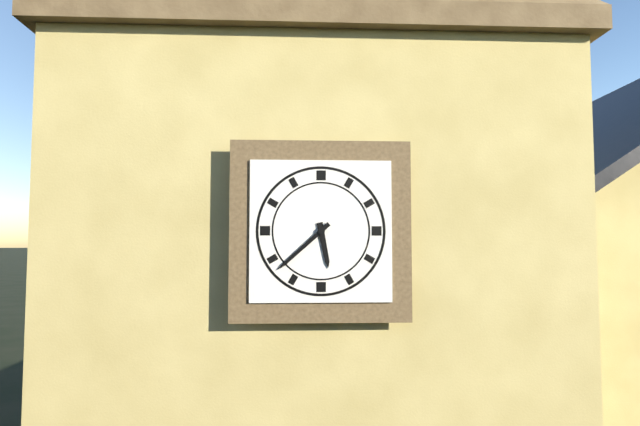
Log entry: 5h38
